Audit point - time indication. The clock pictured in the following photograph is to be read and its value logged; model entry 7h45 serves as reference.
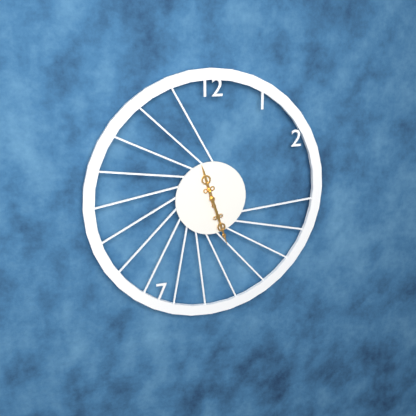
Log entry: 11h27
